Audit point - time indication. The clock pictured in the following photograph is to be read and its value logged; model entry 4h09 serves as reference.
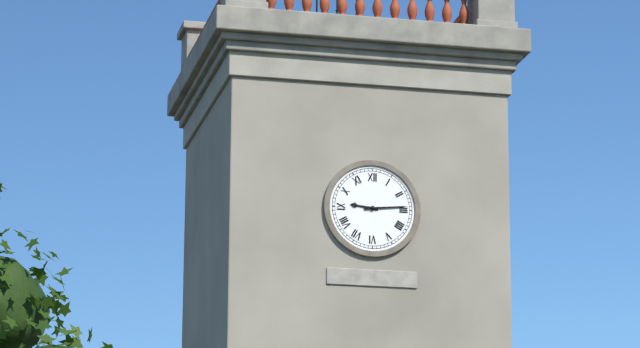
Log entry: 9h14
